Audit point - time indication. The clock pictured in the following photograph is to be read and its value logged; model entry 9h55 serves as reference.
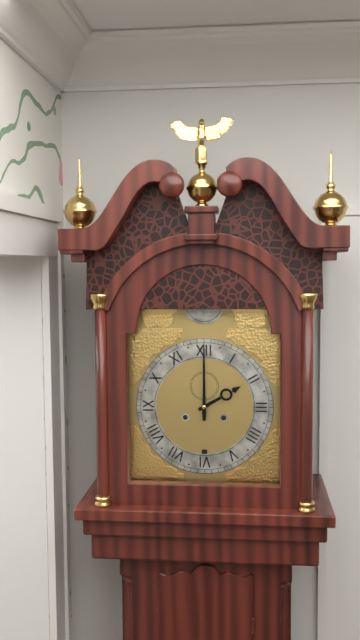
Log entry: 2h00
